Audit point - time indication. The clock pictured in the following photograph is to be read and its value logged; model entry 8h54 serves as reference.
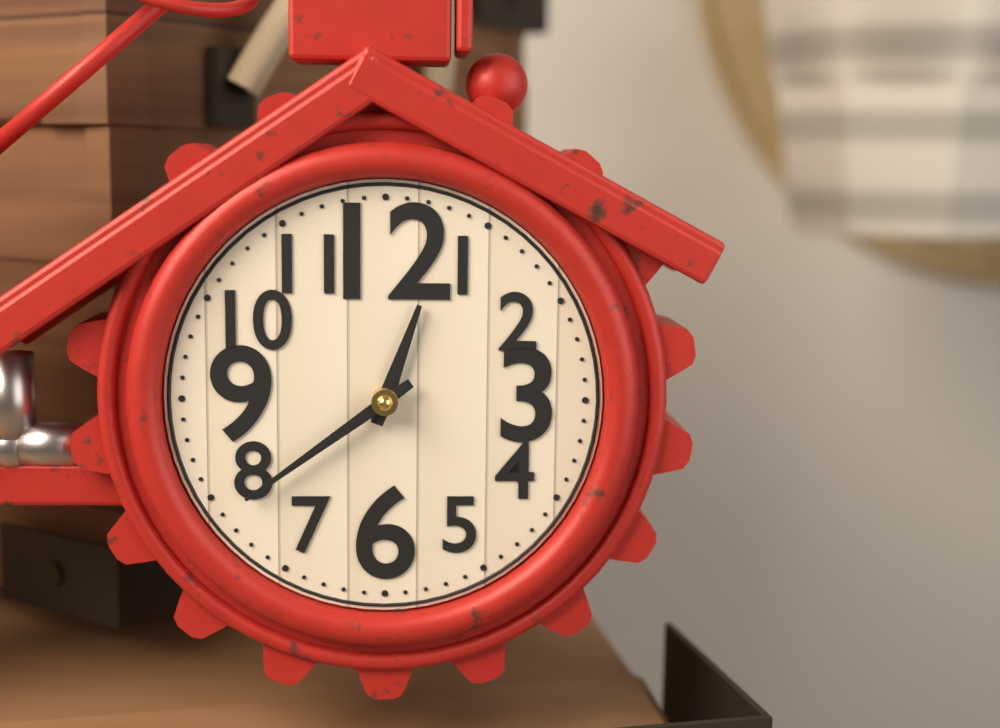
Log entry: 12h39
